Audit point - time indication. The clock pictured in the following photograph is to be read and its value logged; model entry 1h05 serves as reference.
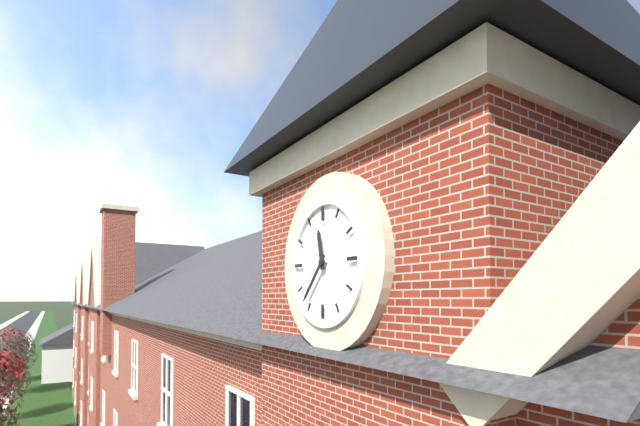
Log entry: 11h37
